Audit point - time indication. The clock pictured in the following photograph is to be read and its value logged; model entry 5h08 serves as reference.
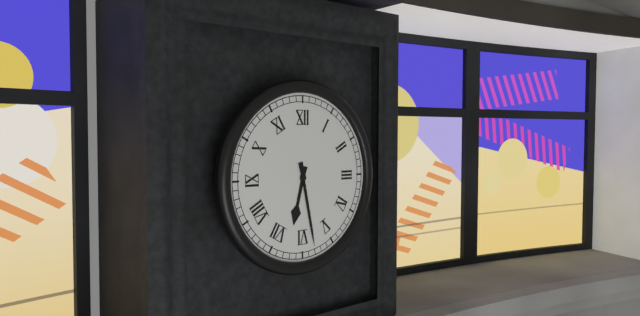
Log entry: 6h28
